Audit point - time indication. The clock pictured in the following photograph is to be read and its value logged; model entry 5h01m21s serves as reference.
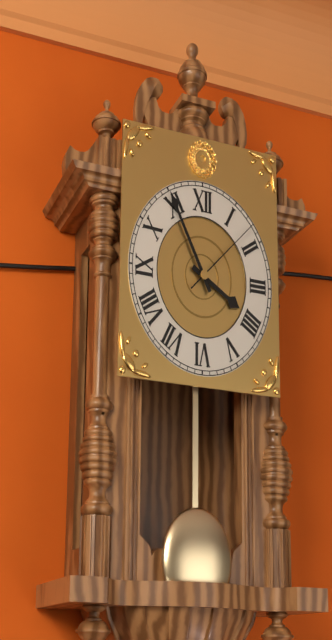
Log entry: 3h55m08s
